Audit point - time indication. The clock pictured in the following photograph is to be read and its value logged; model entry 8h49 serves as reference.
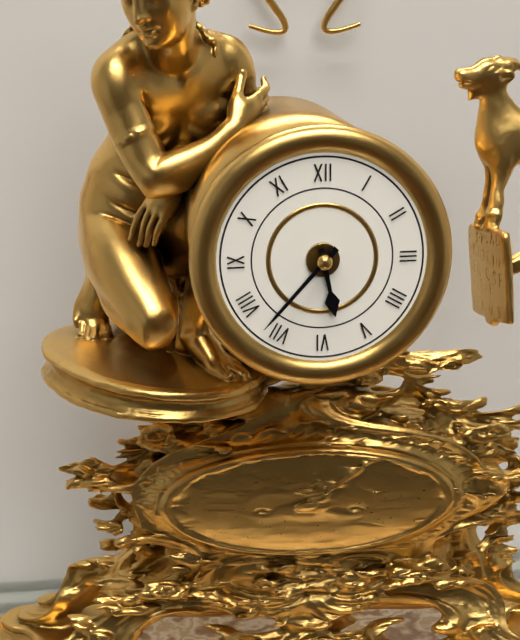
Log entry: 5h37
